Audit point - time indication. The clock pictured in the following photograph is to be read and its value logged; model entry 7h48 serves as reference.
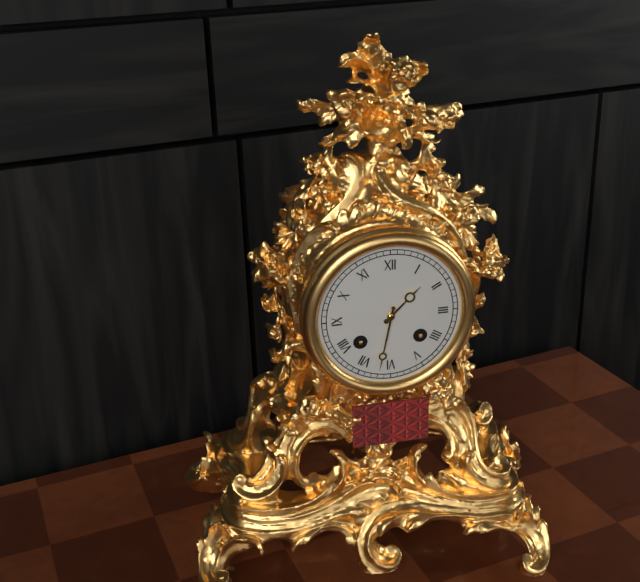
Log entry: 1h32
